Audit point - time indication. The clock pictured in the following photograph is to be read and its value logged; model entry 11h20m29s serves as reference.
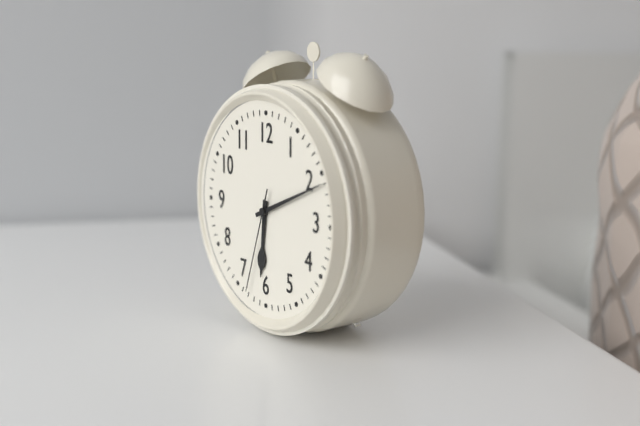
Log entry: 6h11m33s
